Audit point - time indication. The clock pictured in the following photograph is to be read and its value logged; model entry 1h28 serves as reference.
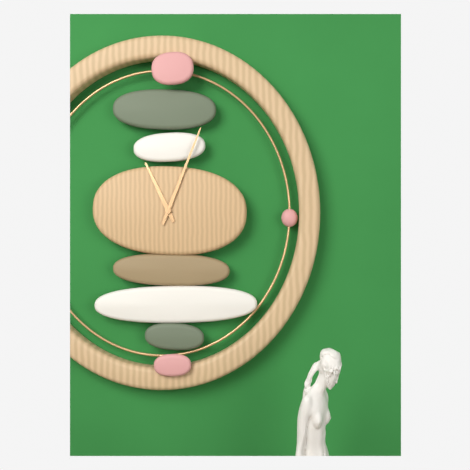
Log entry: 11h04
